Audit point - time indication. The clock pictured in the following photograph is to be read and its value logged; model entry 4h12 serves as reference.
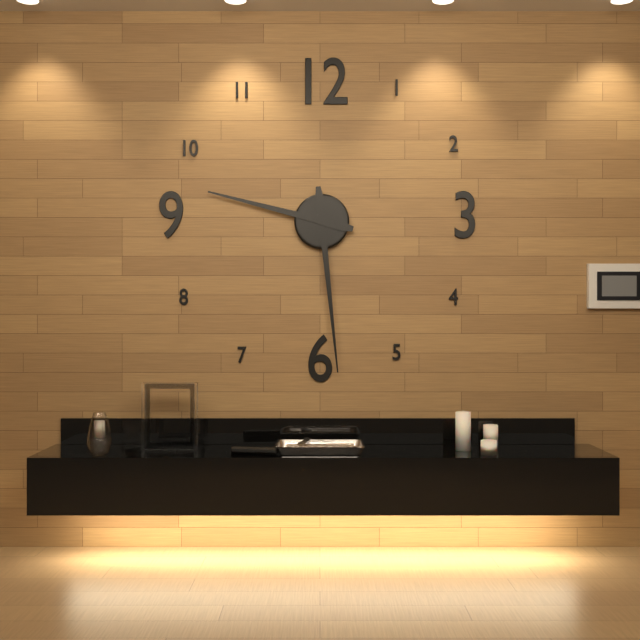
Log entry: 9h29
